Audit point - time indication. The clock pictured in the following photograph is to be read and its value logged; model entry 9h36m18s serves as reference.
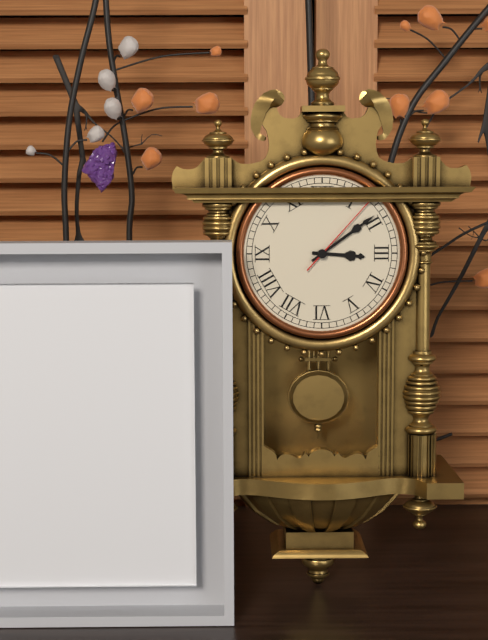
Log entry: 3h09m07s
